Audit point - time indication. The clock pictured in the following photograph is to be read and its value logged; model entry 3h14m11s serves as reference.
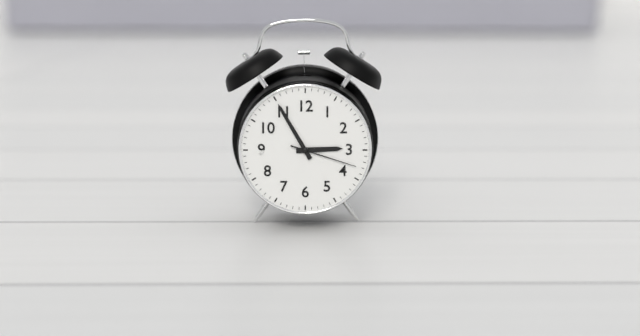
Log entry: 2h55m18s
